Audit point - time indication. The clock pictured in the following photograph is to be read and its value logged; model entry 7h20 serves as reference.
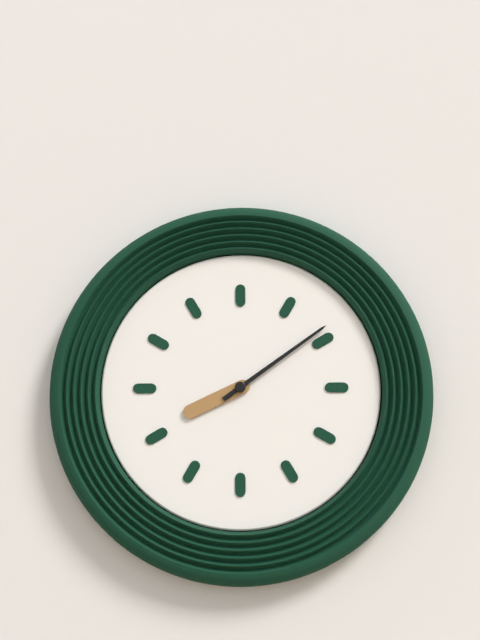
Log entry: 8h09
